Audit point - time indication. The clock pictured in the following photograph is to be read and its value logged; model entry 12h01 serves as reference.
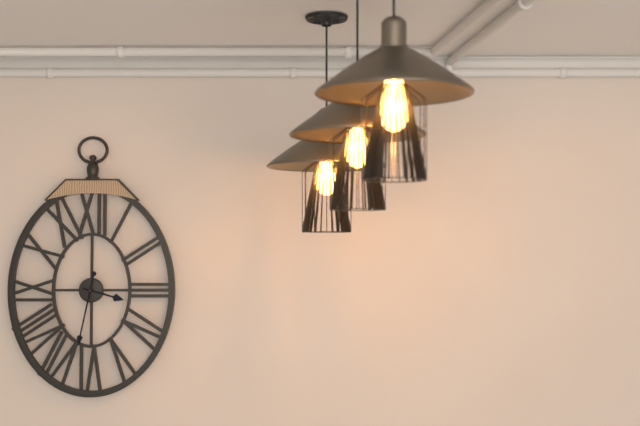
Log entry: 3h32
